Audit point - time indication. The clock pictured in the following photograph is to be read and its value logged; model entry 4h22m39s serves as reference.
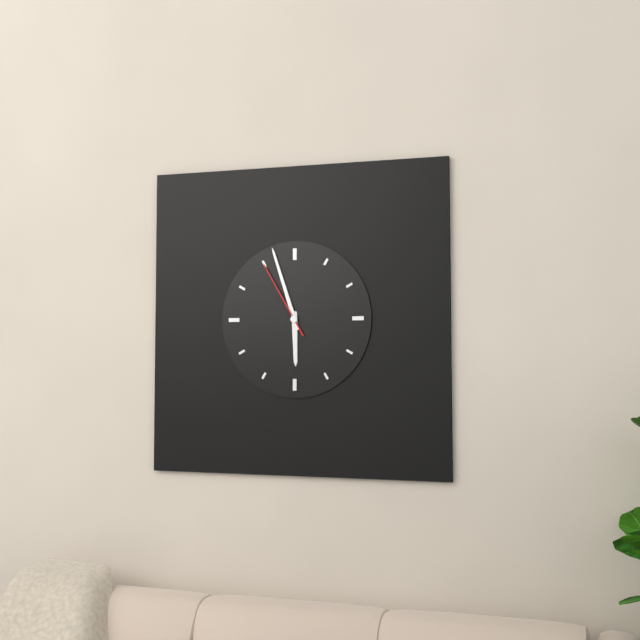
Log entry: 5h57m55s
